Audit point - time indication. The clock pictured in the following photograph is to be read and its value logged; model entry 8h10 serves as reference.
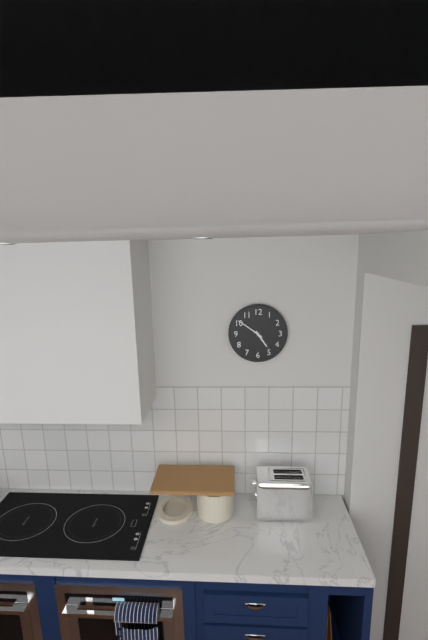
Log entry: 4h51
